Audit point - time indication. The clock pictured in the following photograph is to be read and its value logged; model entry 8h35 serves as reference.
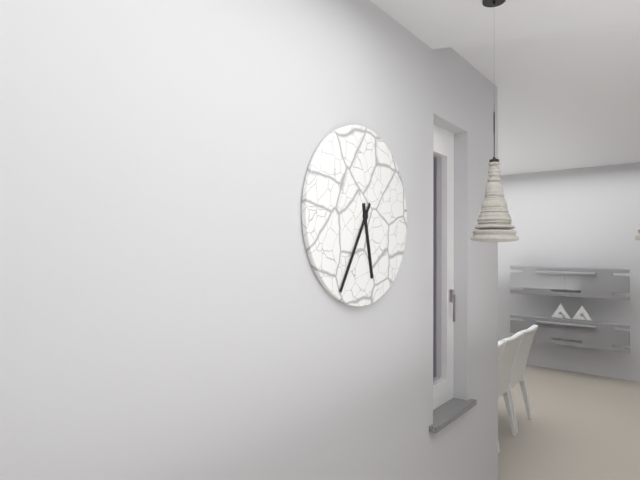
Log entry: 5h35
